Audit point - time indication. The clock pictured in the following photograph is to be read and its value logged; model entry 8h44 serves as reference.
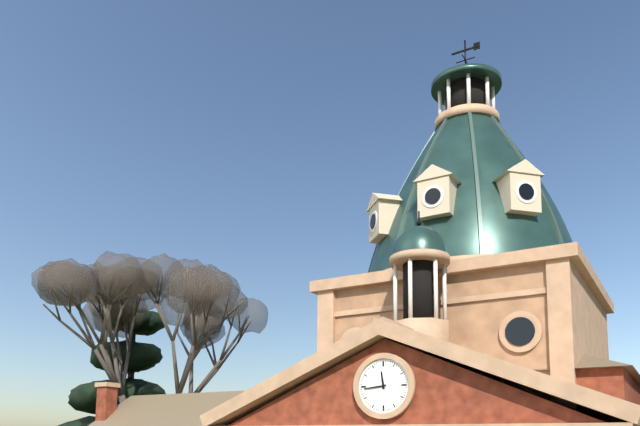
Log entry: 11h44
